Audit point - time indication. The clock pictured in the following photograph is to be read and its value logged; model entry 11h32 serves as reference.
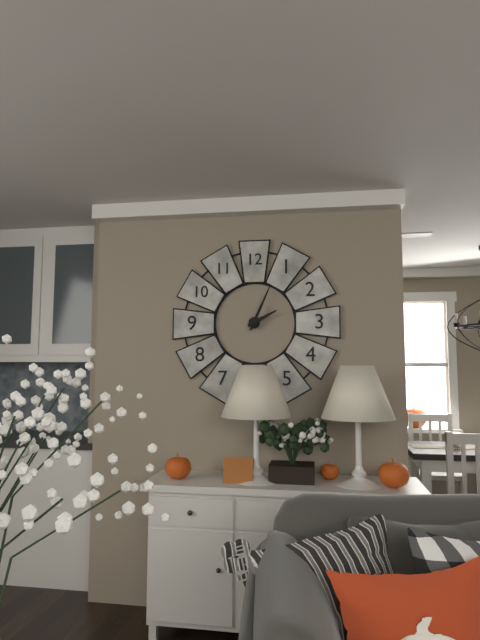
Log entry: 2h04
